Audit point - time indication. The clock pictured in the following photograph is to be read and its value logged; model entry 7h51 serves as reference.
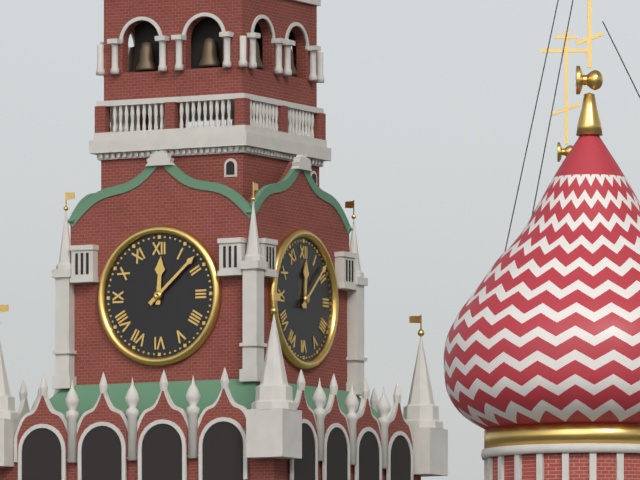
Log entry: 12h08
